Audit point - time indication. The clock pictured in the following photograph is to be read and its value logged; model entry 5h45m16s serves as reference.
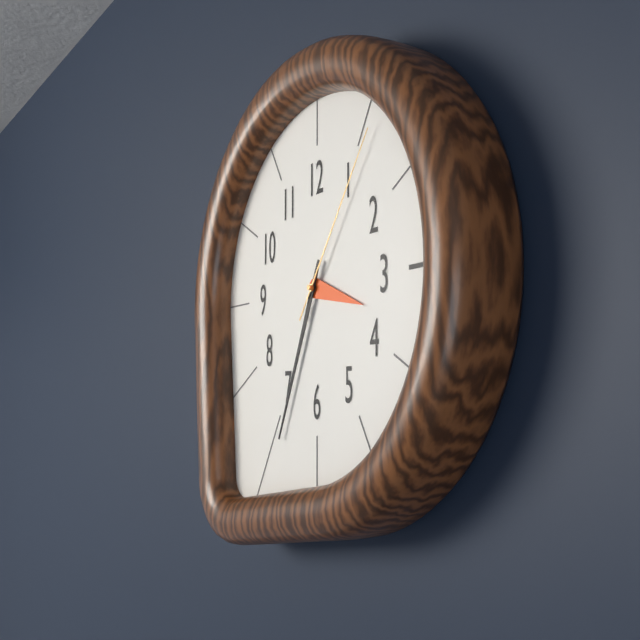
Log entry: 3h34m06s
